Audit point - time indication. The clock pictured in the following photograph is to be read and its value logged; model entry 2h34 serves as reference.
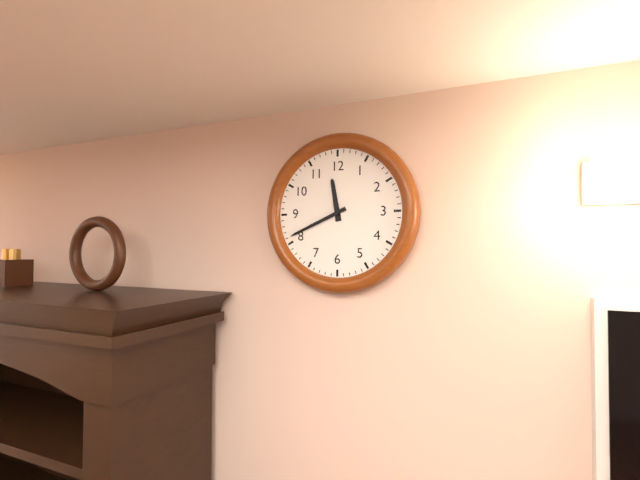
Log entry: 11h41
